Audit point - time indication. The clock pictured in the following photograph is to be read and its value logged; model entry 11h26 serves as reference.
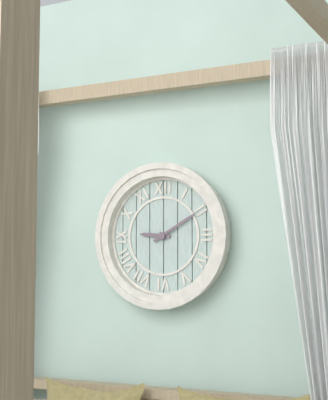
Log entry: 9h10
